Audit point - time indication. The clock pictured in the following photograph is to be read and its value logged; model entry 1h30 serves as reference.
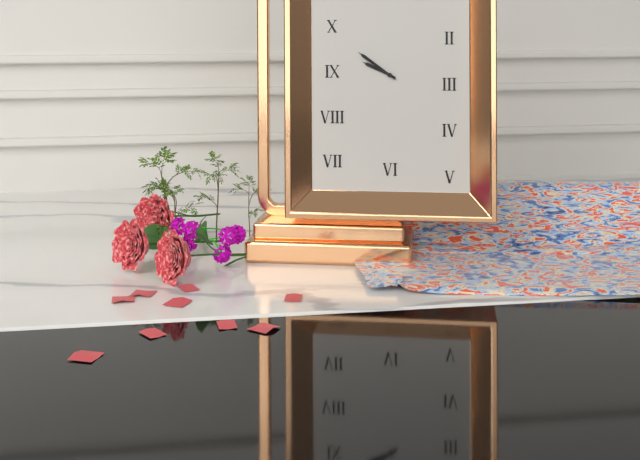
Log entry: 9h51
